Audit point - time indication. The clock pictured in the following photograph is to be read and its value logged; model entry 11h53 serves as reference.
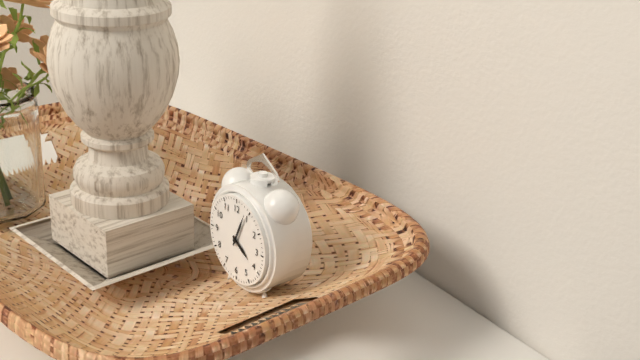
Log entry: 4h04
